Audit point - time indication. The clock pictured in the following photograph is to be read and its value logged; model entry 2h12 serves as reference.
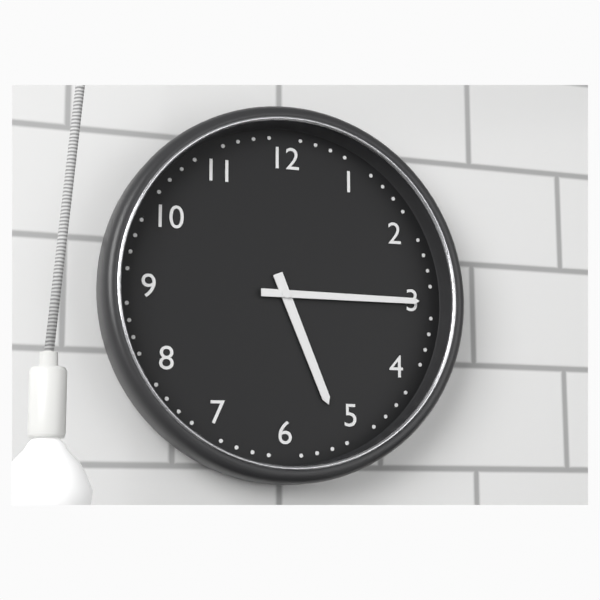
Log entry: 5h15
